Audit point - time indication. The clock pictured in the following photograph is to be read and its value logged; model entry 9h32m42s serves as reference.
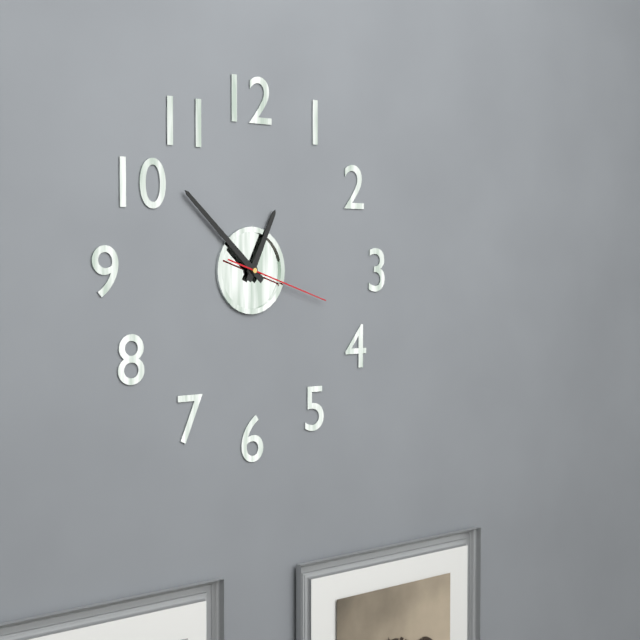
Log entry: 12h52m18s
